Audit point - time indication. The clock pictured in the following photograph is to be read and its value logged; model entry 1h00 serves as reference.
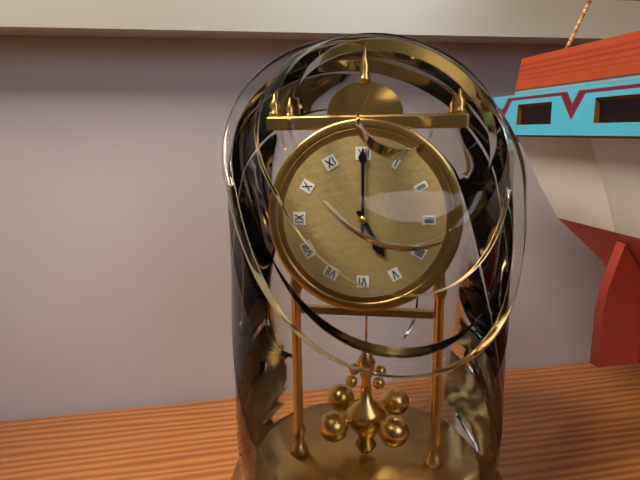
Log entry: 5h00
